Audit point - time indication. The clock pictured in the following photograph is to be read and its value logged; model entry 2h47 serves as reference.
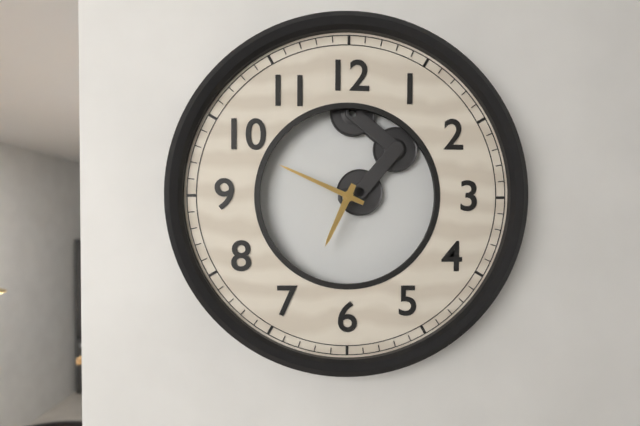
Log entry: 6h49
